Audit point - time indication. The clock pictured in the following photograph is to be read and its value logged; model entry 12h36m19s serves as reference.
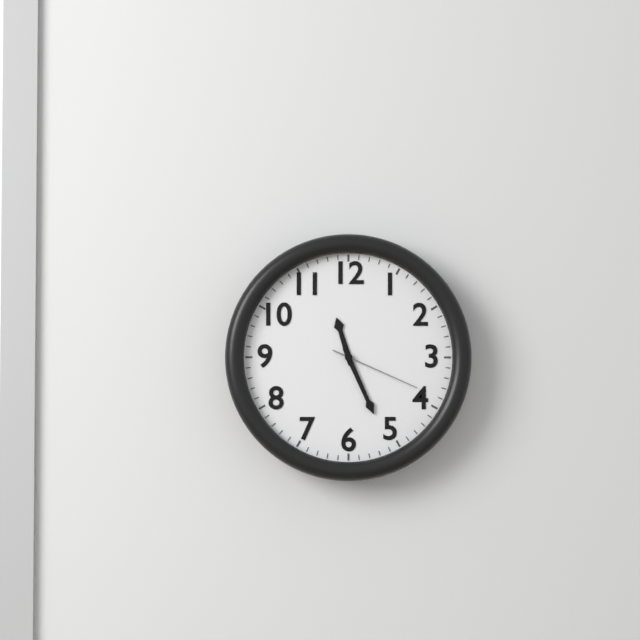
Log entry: 11h26m19s
